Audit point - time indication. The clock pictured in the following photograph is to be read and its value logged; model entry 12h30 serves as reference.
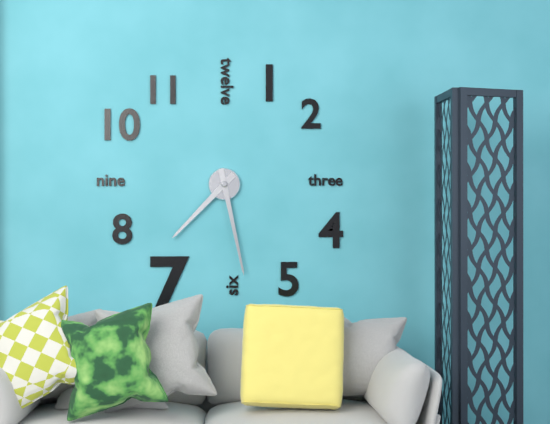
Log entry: 7h28
